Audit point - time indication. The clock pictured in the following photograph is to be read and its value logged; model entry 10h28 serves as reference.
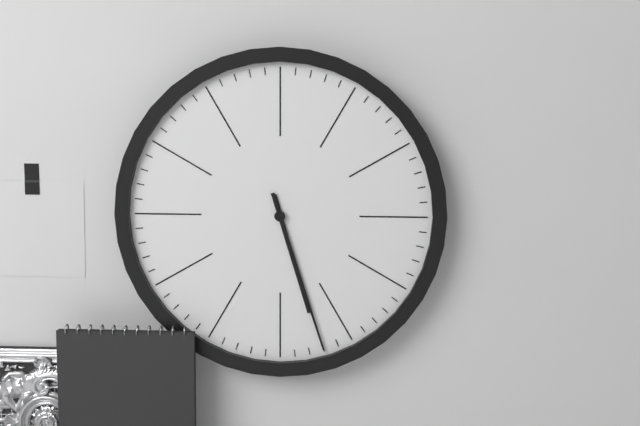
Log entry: 5h27
